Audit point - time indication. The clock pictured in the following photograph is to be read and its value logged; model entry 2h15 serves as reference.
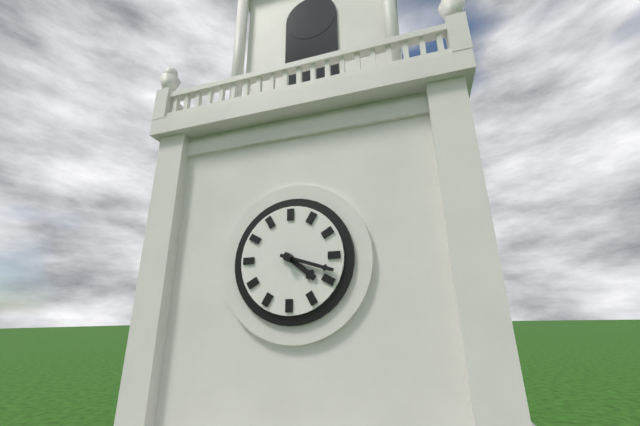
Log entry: 4h18
